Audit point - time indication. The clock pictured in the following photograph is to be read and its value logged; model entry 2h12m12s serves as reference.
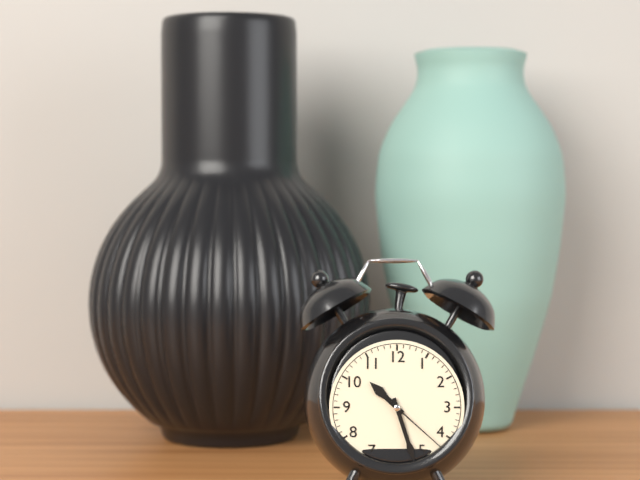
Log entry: 10h27m22s
